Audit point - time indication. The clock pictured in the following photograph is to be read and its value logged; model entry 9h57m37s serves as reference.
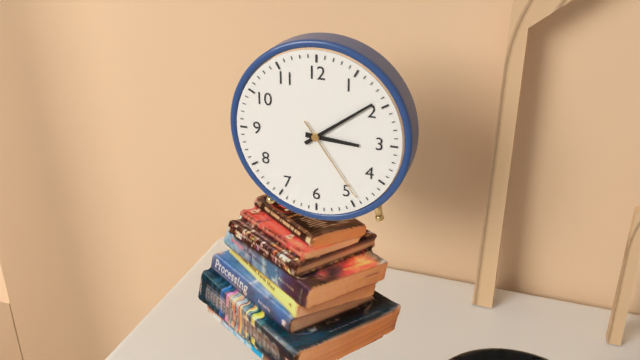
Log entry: 3h09m24s
